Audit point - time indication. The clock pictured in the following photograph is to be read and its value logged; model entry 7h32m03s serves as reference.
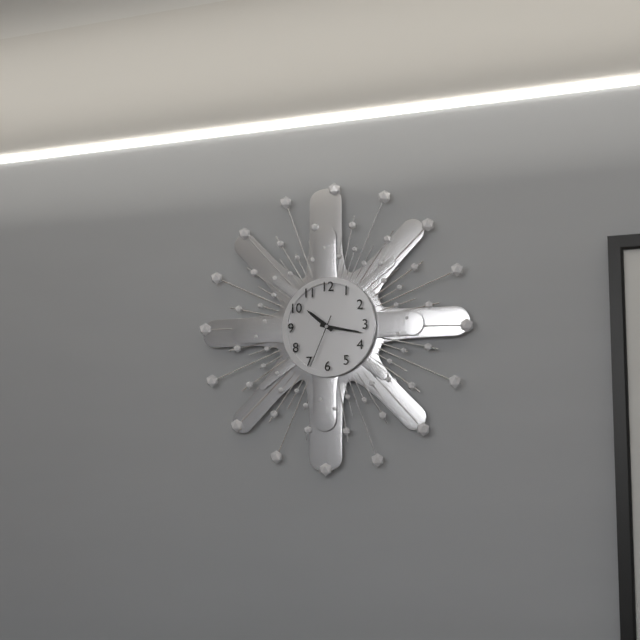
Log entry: 10h17m34s
